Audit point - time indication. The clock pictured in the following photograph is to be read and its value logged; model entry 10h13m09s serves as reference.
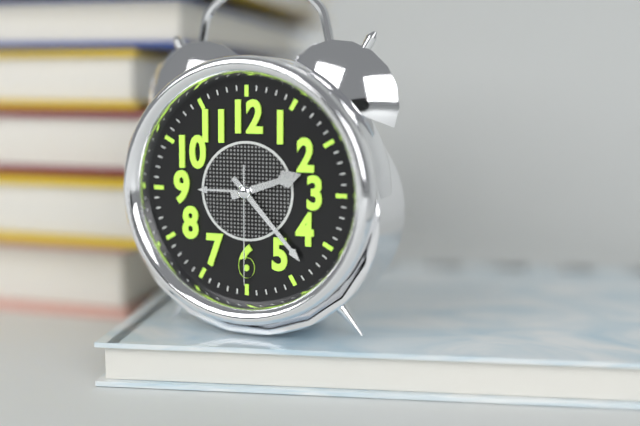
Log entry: 2h23m30s
